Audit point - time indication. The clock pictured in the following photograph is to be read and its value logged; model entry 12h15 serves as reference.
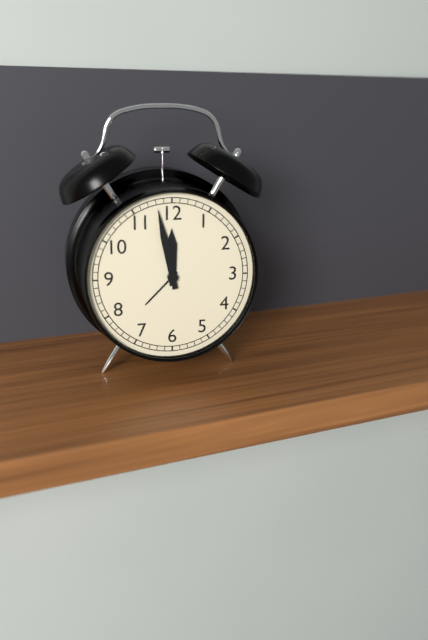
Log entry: 11h58
